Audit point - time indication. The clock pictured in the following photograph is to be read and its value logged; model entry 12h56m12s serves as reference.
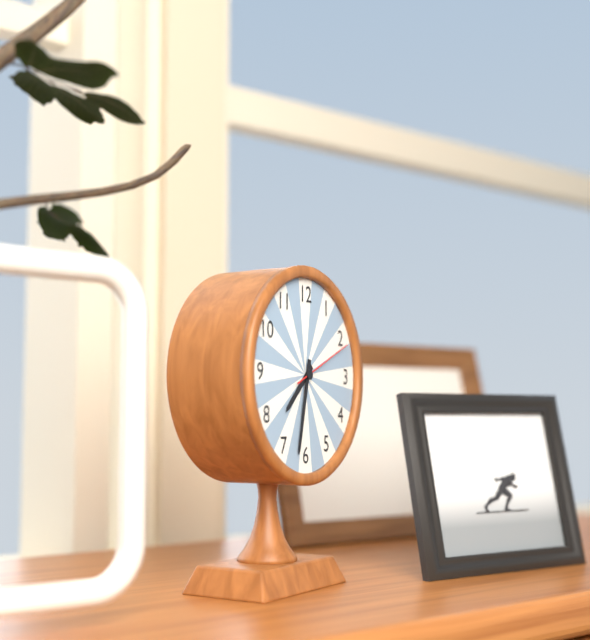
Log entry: 7h32m11s
